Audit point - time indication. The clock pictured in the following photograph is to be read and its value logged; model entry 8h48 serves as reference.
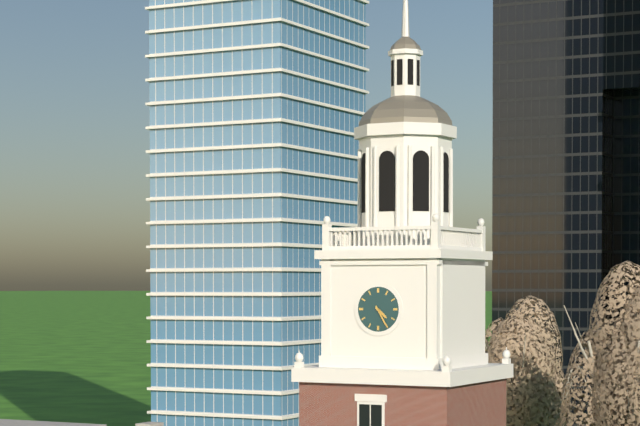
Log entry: 4h25
